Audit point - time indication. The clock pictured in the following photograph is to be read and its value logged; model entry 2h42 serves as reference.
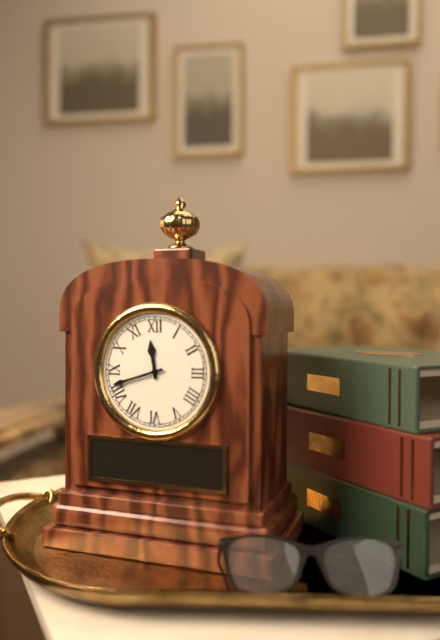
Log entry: 11h42
